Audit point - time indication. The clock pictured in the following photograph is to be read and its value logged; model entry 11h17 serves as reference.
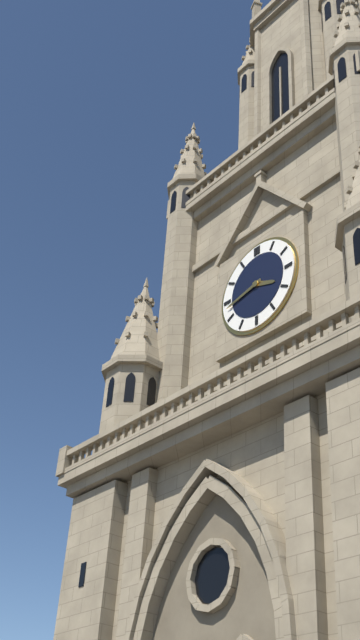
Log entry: 3h43
